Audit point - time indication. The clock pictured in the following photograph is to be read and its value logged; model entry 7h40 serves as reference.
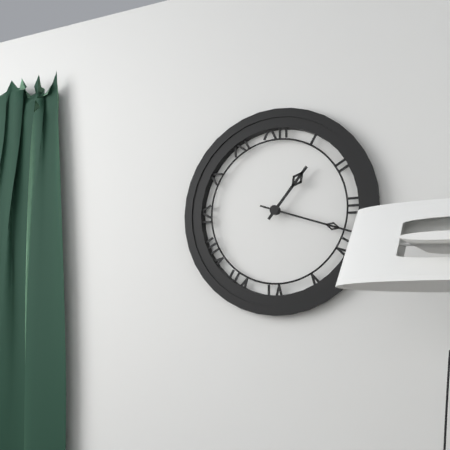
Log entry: 1h18
